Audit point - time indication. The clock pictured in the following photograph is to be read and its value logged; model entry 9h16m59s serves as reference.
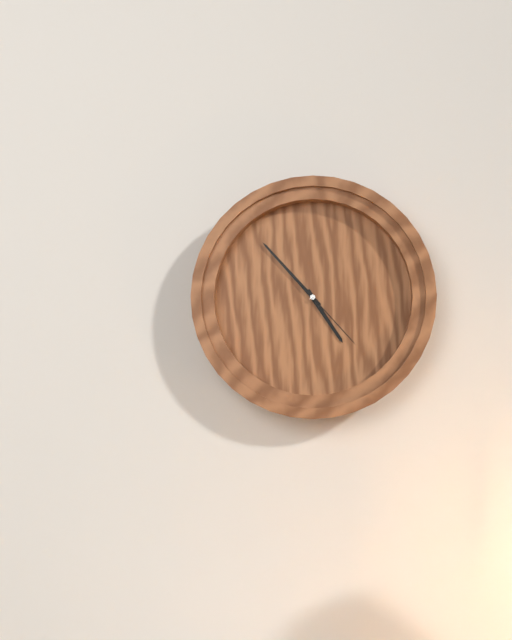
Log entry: 4h53m23s
